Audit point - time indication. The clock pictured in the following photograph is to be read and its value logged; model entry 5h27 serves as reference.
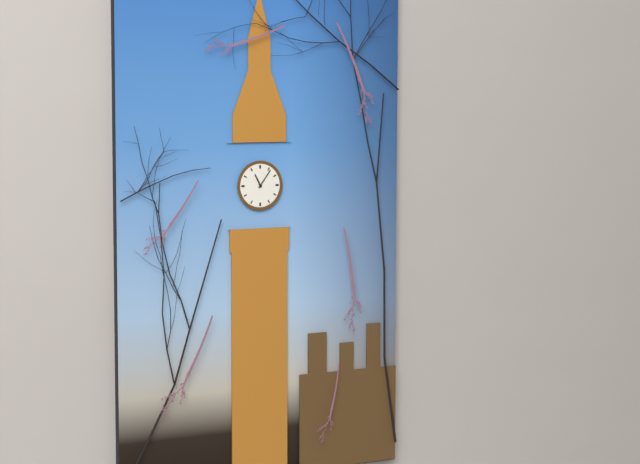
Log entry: 11h06
